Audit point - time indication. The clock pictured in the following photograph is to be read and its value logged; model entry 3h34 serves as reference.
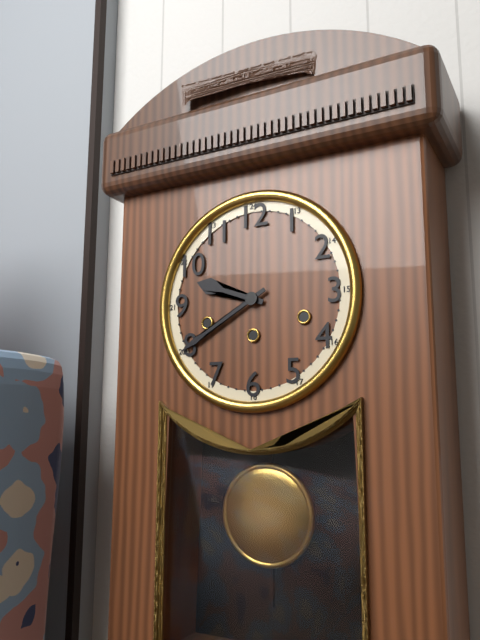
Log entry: 9h40
